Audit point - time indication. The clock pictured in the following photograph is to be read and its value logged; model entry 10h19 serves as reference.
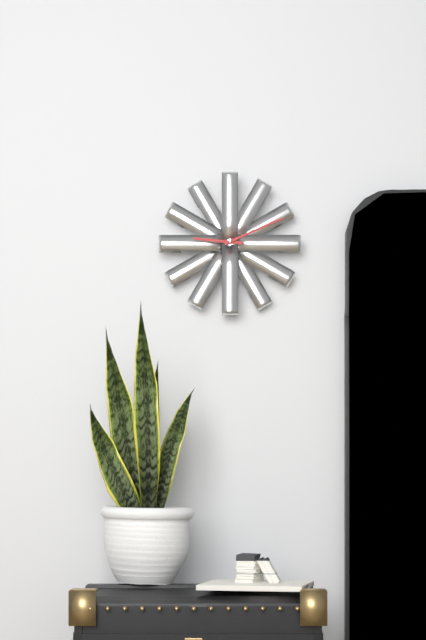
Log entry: 9h11
